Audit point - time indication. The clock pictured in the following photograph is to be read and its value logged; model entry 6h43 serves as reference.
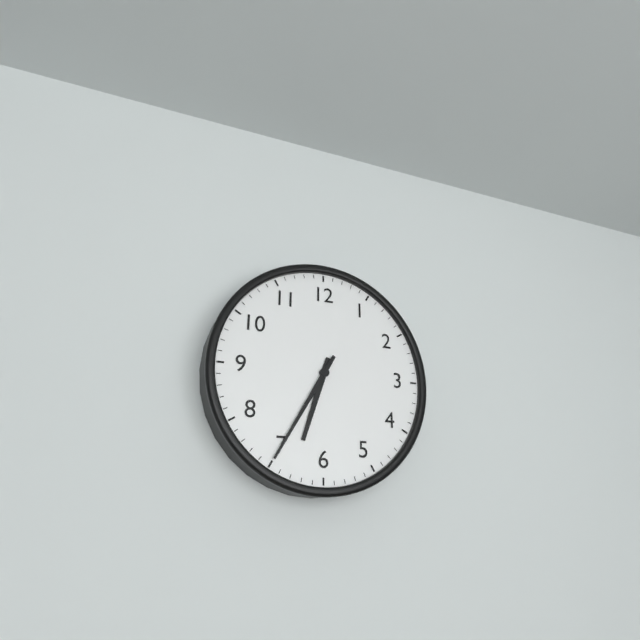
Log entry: 6h35
